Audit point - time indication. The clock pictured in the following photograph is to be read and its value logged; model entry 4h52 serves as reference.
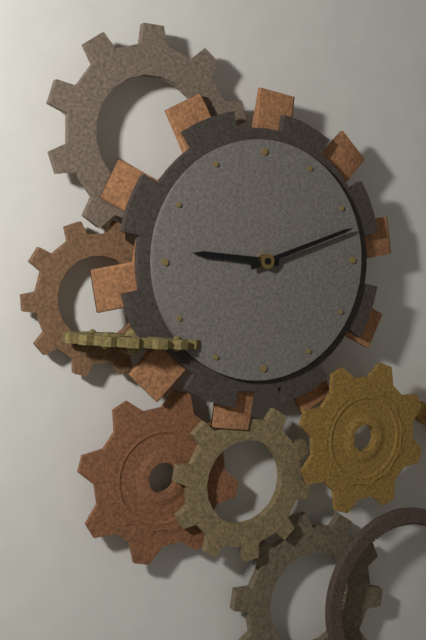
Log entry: 9h12
